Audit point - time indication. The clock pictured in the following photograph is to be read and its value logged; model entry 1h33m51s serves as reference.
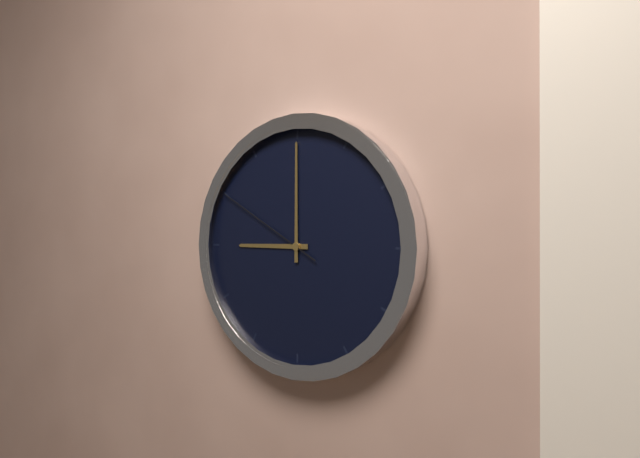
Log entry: 9h00m50s
